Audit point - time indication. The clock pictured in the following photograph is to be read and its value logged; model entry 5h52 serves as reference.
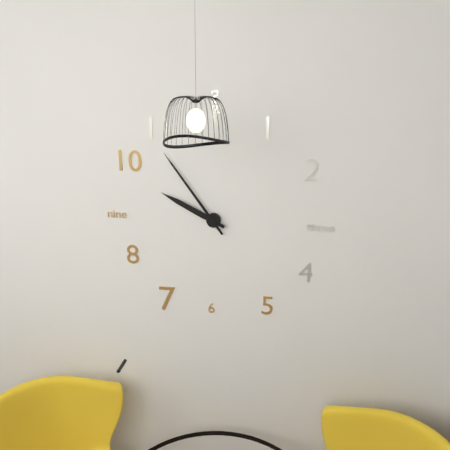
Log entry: 9h54
